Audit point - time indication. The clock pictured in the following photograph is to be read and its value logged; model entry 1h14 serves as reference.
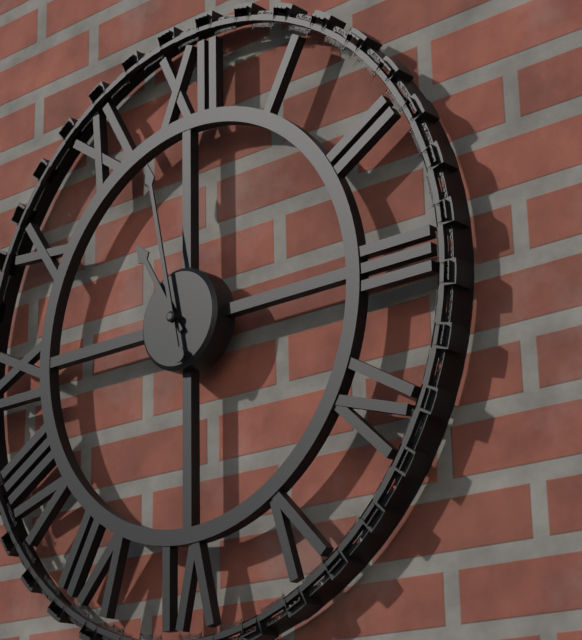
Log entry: 10h58
